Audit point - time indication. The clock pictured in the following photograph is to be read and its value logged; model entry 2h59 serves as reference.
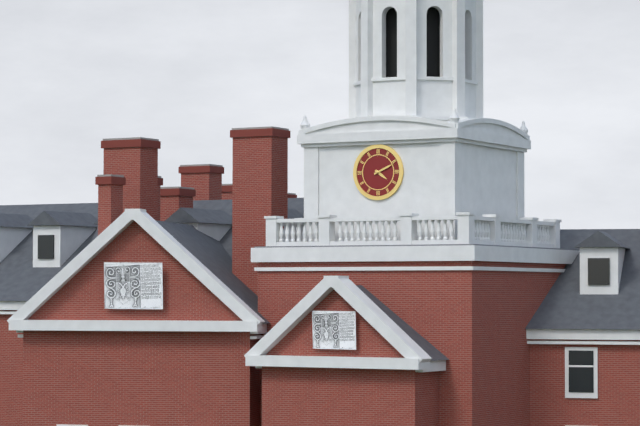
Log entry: 4h11
